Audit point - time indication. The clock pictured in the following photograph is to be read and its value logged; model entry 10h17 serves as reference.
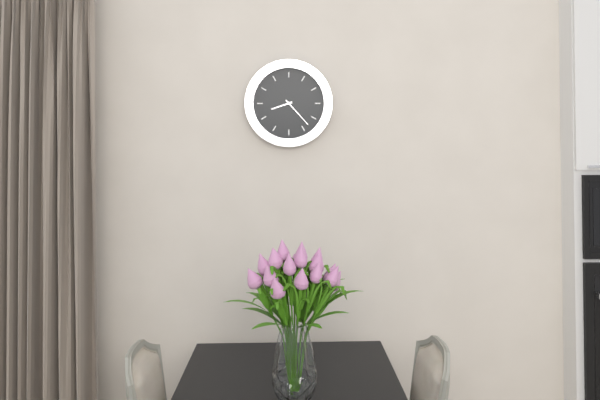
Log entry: 8h23
